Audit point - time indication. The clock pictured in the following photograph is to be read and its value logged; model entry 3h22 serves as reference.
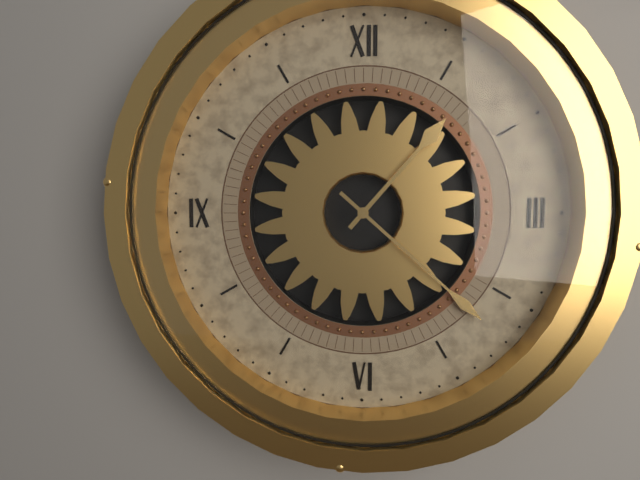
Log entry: 1h22
